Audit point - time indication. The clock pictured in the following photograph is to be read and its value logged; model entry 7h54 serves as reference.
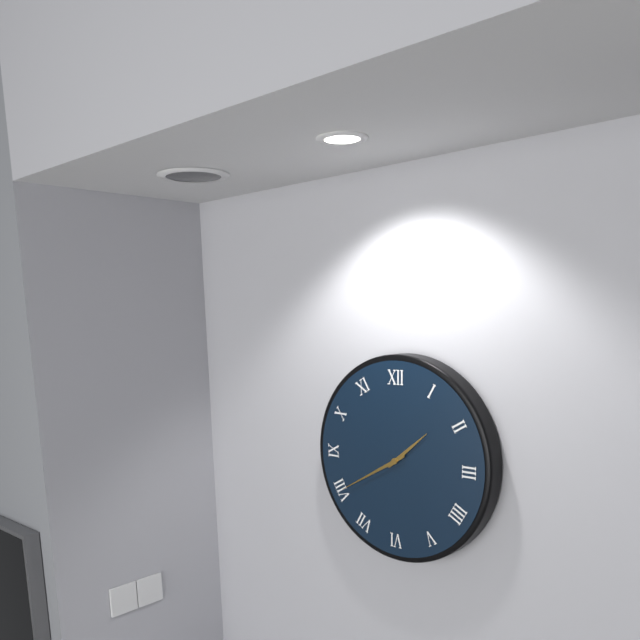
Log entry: 1h40
